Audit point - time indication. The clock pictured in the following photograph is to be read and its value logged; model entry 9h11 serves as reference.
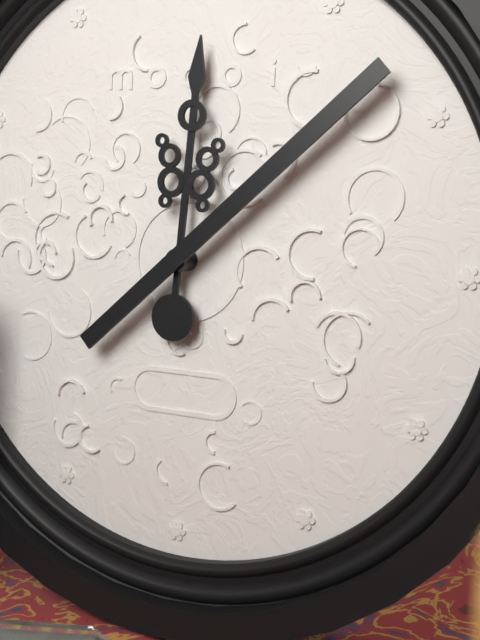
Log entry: 12h08
